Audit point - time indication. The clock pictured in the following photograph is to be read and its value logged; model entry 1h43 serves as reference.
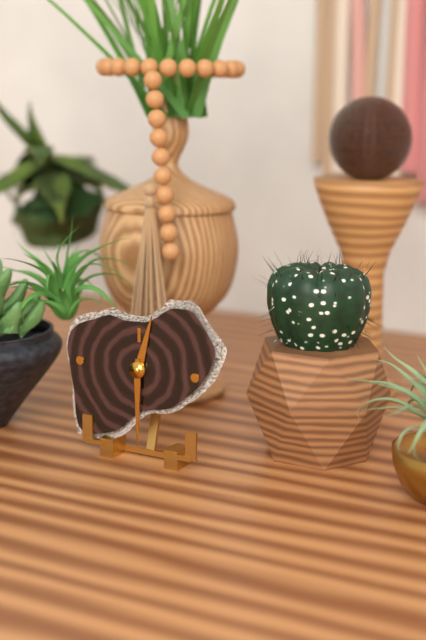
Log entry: 12h30
